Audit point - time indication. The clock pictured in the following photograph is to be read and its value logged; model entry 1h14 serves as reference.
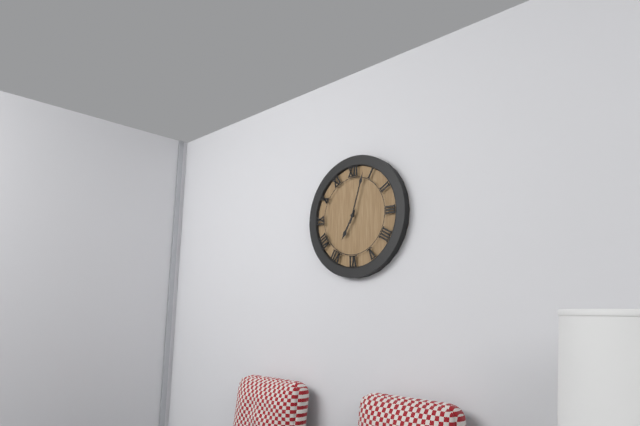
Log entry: 7h03
